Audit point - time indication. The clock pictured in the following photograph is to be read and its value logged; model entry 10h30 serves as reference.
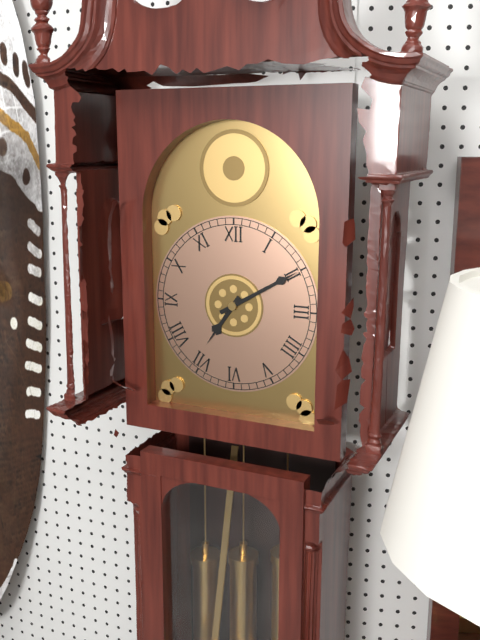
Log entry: 7h10
